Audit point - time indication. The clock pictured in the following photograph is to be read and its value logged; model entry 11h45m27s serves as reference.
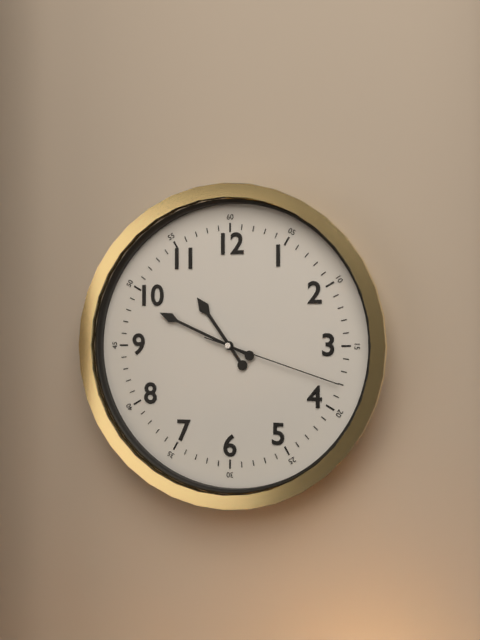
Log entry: 10h49m18s
